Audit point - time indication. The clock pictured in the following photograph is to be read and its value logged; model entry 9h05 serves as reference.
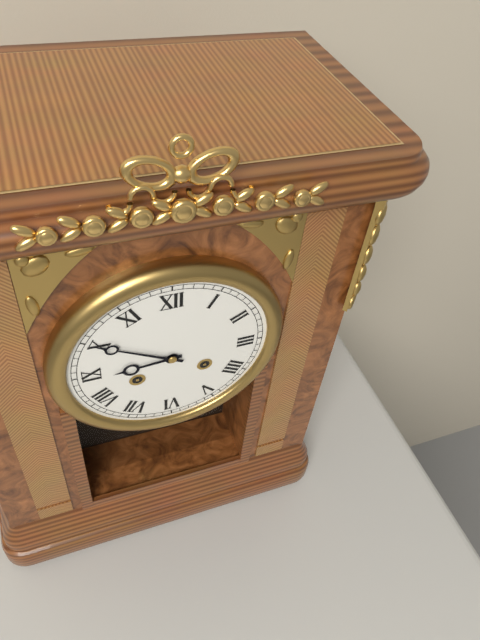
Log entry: 8h50
